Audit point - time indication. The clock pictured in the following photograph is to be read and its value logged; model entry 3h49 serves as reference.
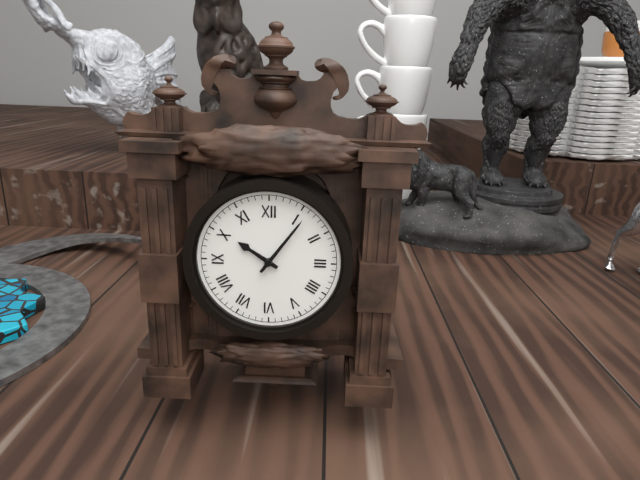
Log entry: 10h06
